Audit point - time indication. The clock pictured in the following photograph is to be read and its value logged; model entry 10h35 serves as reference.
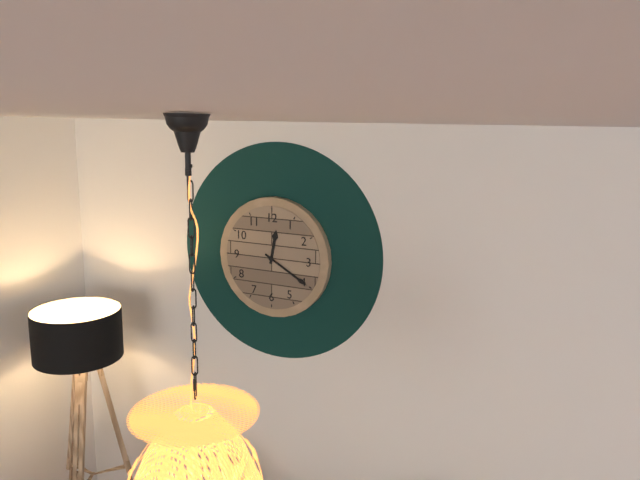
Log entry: 12h20
